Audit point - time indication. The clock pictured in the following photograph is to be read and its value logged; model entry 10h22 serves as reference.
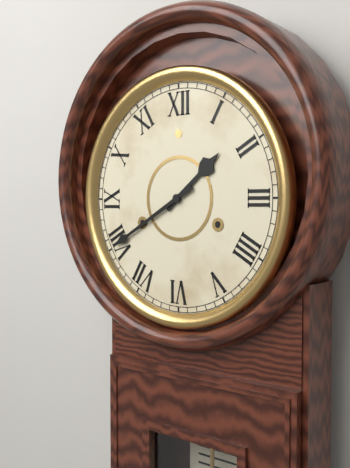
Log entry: 1h40
